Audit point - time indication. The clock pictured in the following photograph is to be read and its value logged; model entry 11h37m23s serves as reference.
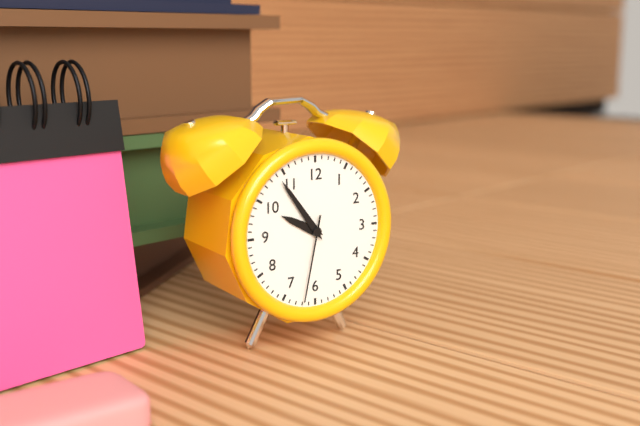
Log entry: 9h54m32s
